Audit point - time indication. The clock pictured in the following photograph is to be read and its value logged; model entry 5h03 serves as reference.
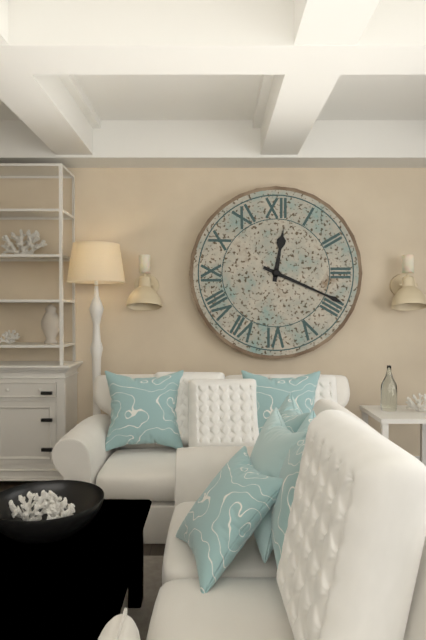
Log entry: 12h19
